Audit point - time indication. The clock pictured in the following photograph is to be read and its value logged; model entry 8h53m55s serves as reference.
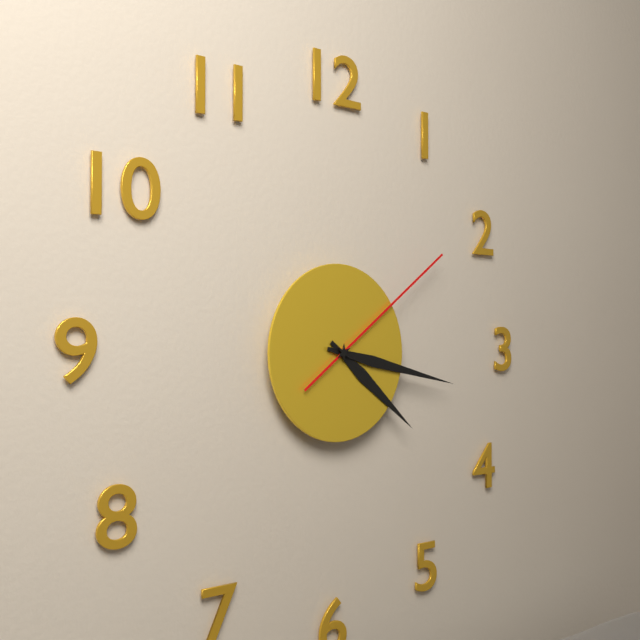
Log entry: 4h17m09s
